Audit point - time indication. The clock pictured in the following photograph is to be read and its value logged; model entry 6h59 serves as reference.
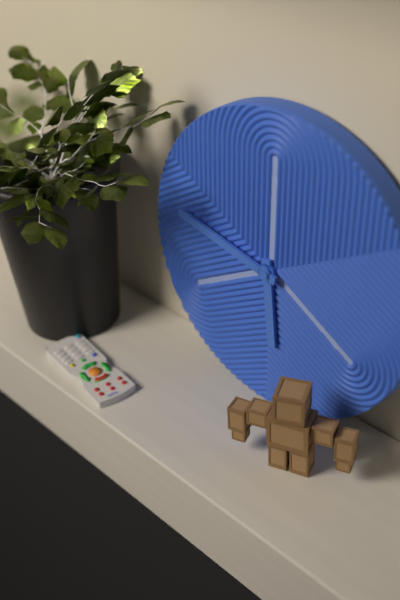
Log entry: 5h47
